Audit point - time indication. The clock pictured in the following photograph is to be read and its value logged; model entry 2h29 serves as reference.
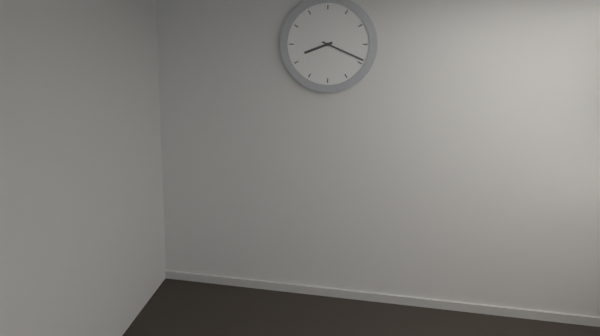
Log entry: 8h19
